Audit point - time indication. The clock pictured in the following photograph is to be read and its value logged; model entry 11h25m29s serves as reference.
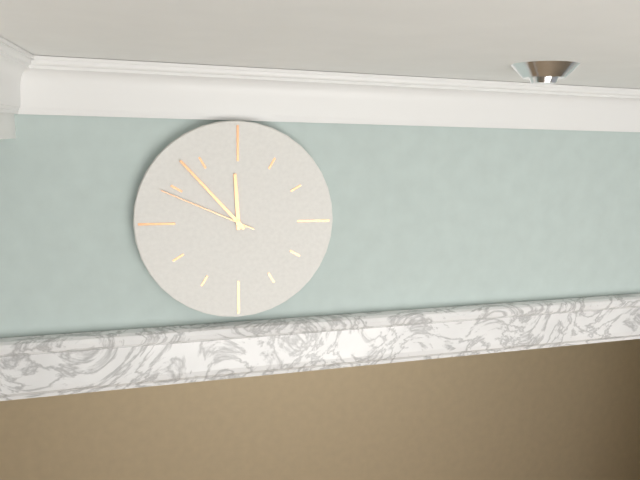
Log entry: 11h53m49s
